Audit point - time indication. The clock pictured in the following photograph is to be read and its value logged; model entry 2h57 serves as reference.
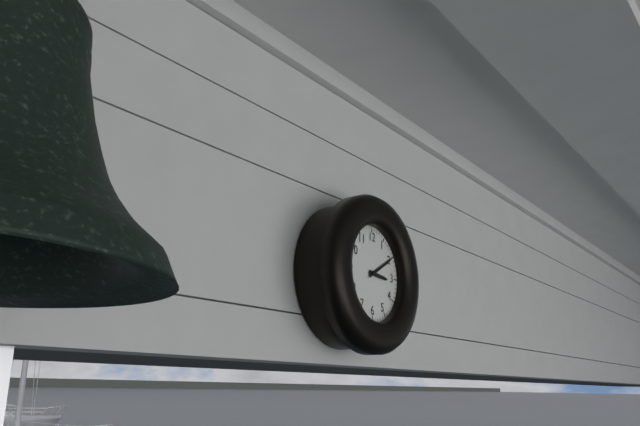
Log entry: 3h10
